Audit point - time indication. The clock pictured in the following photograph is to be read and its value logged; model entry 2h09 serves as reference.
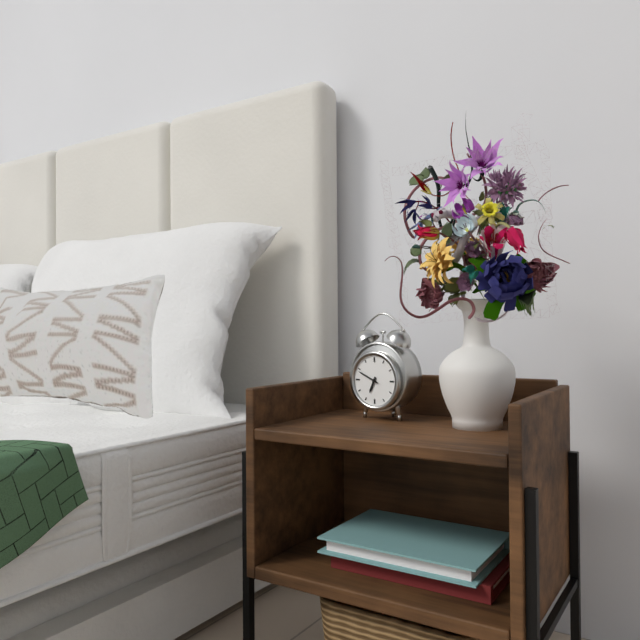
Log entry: 6h49
